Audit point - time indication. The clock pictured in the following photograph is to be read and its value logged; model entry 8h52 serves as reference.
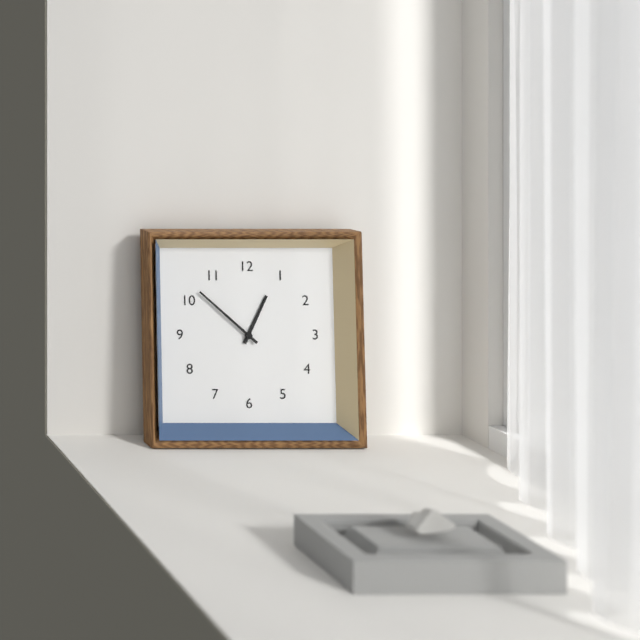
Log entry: 12h52
